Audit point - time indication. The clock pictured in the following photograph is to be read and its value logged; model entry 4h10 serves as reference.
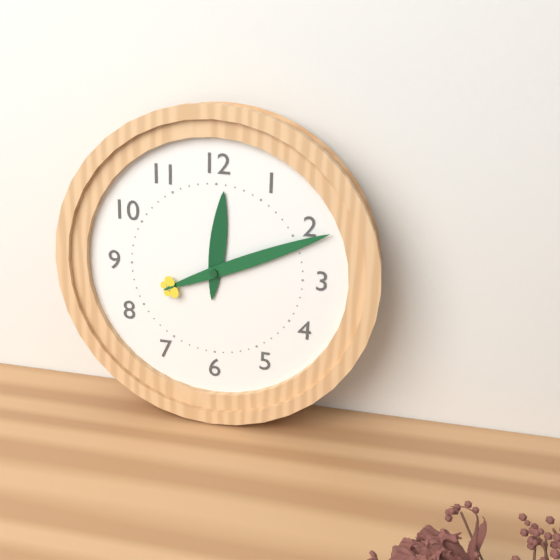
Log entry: 12h11
